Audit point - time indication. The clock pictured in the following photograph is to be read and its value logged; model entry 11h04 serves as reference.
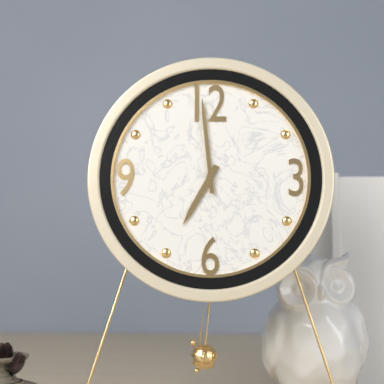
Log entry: 6h59
